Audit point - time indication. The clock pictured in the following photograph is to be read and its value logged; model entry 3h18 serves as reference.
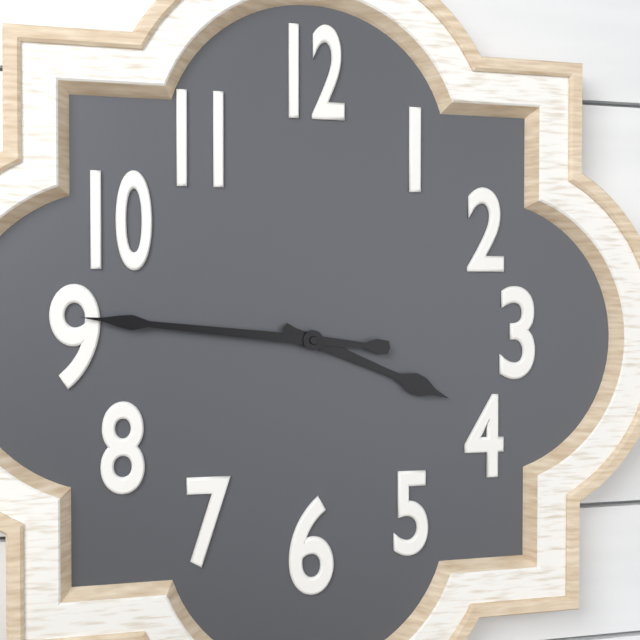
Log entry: 3h46
